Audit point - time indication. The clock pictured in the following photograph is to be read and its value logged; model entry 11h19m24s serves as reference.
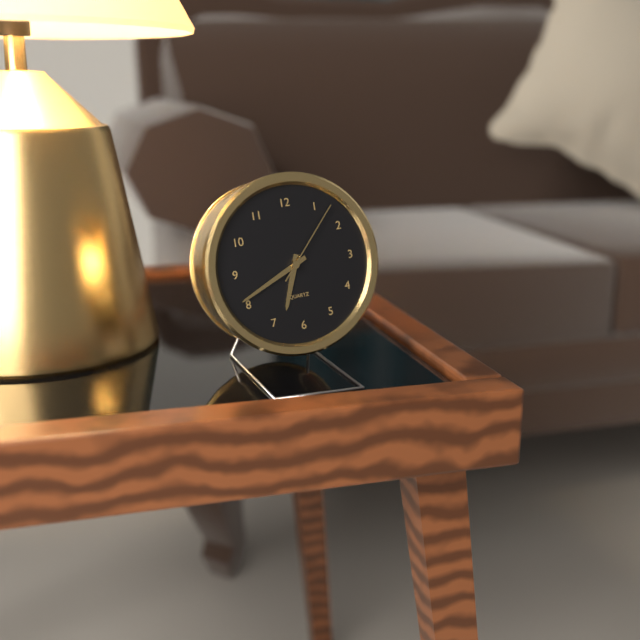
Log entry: 6h41m07s
